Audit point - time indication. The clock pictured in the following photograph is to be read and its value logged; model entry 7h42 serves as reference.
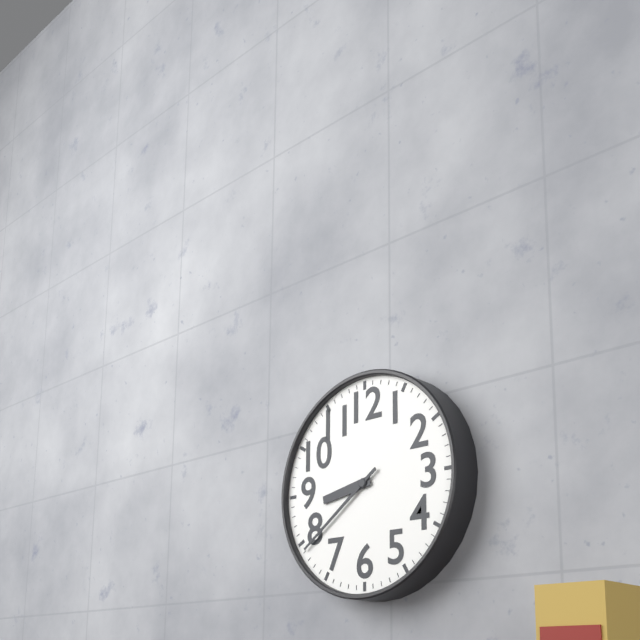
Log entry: 8h39
